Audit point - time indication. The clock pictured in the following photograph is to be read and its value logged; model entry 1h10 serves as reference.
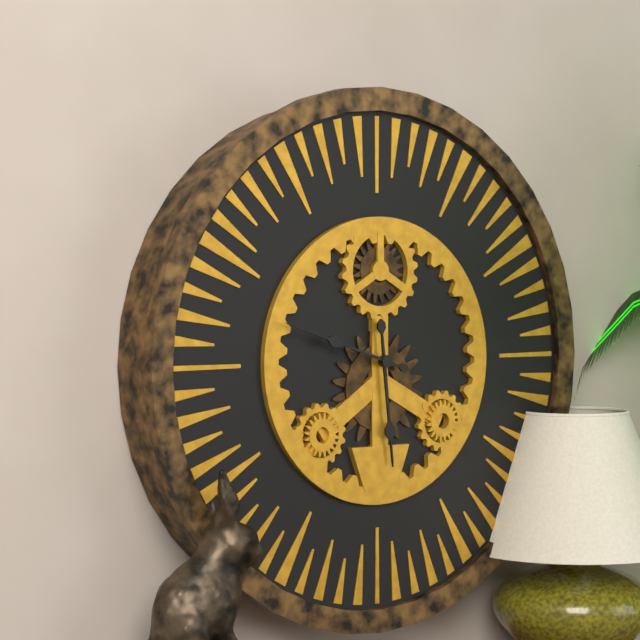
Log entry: 5h48
